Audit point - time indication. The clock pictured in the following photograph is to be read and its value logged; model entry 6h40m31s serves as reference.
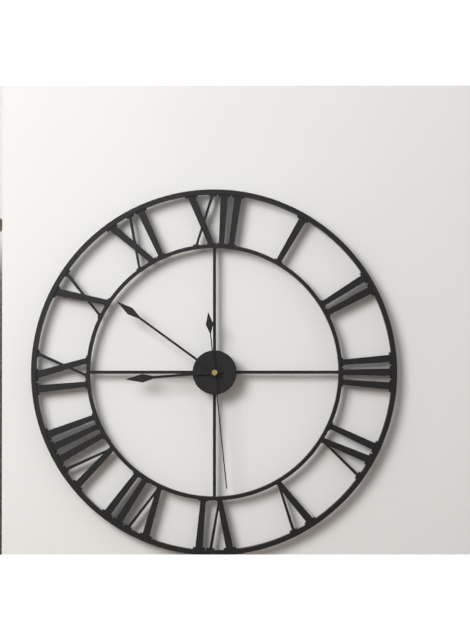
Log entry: 8h51m29s
